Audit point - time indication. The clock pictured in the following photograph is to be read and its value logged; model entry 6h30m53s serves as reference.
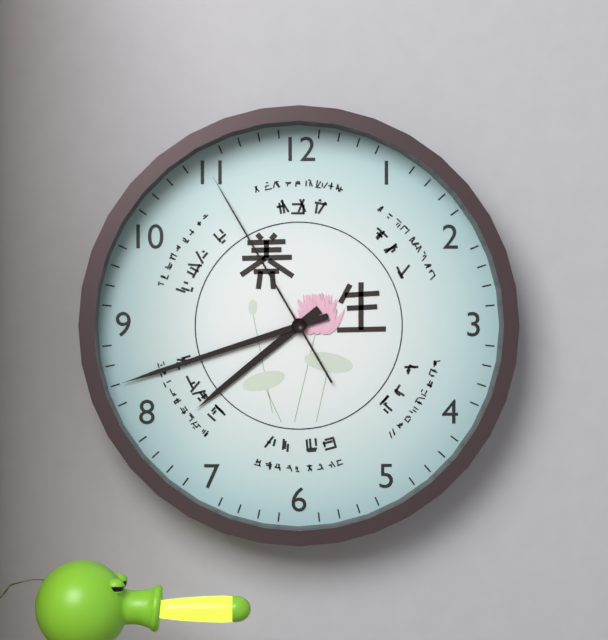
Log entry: 7h42m55s
